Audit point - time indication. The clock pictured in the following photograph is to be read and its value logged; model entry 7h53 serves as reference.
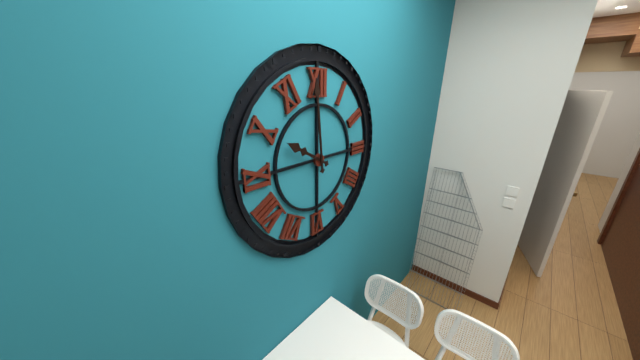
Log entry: 9h59
